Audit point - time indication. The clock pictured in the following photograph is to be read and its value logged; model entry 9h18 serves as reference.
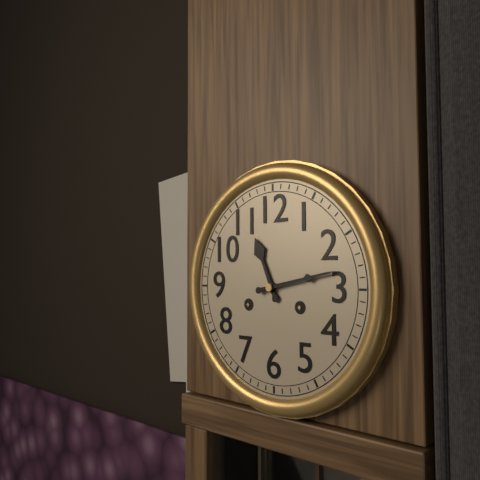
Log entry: 11h13
